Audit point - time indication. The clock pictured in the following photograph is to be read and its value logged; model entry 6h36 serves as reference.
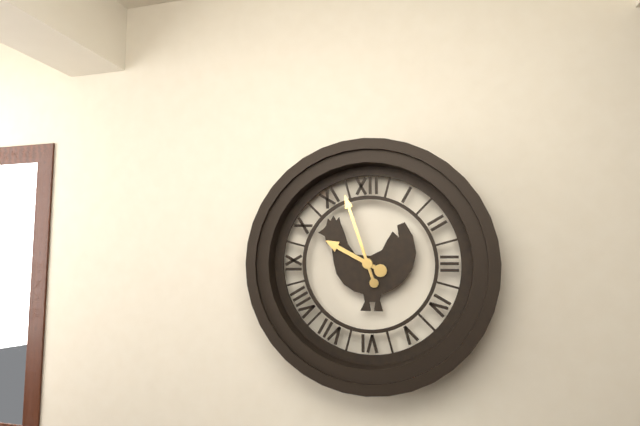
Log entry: 9h57
